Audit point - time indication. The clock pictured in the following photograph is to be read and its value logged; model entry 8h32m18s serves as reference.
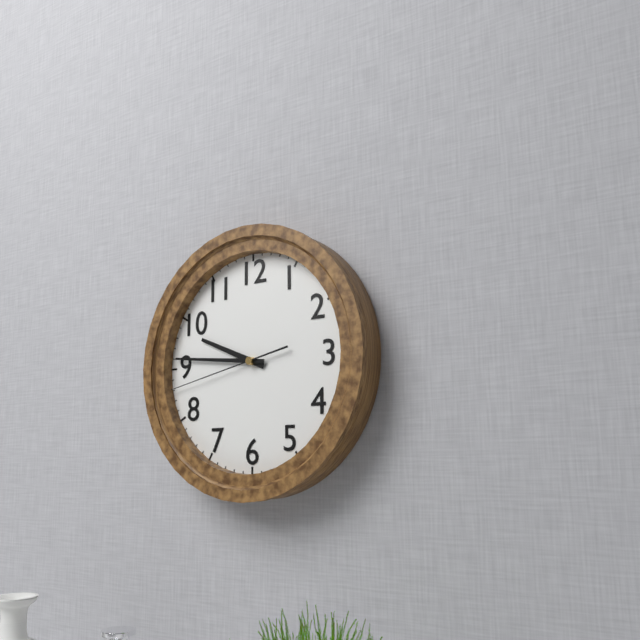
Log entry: 9h46m43s
